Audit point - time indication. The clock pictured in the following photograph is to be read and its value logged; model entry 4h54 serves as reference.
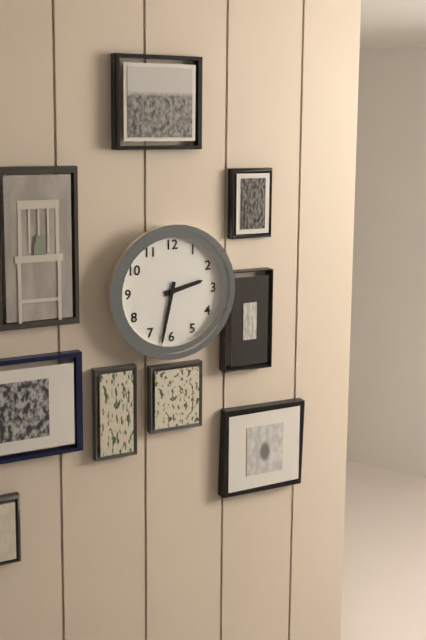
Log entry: 2h32
